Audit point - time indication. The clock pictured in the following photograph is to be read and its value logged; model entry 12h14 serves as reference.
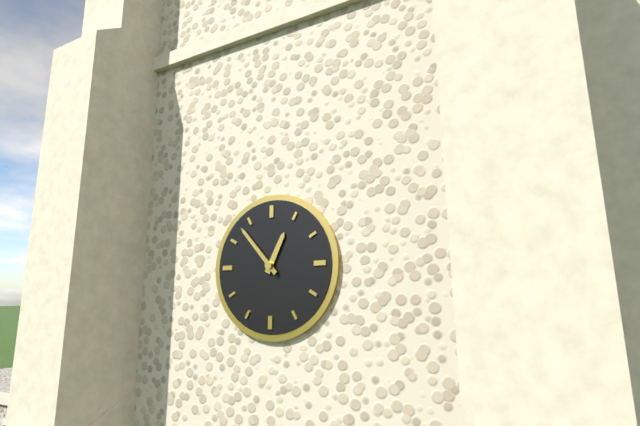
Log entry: 12h53
